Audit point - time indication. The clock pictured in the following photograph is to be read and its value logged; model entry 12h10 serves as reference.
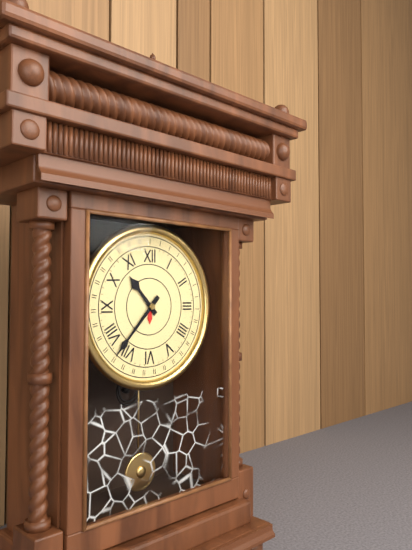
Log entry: 10h37
